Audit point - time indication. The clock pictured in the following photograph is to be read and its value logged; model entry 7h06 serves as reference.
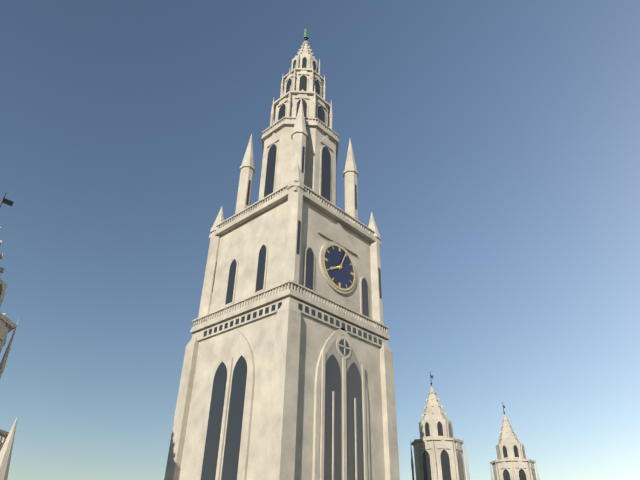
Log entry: 8h04
